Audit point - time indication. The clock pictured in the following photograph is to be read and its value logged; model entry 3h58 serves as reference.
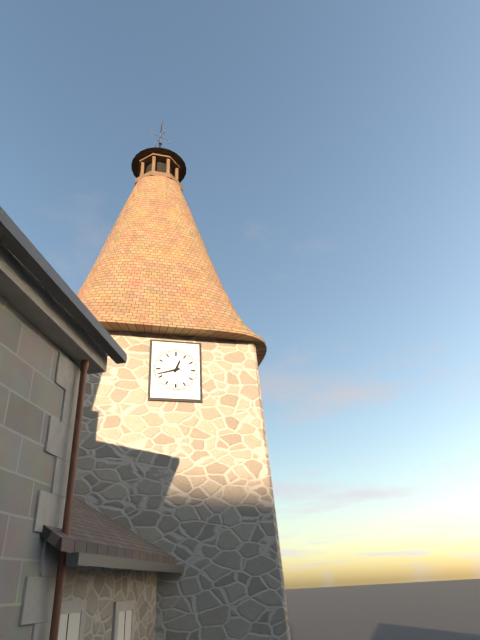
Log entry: 12h42
